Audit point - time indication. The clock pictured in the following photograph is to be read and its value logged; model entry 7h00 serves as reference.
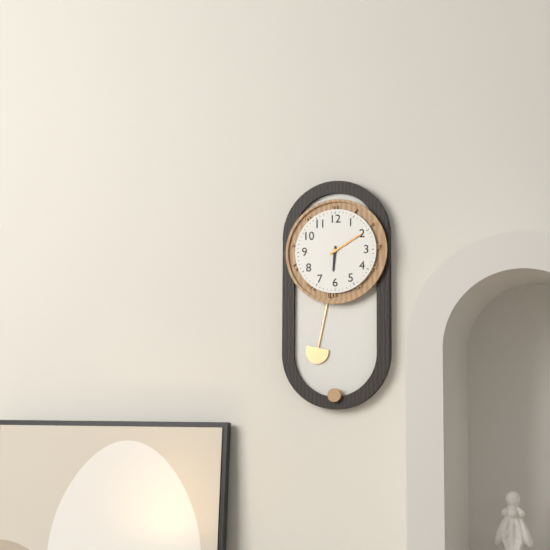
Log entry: 6h10
